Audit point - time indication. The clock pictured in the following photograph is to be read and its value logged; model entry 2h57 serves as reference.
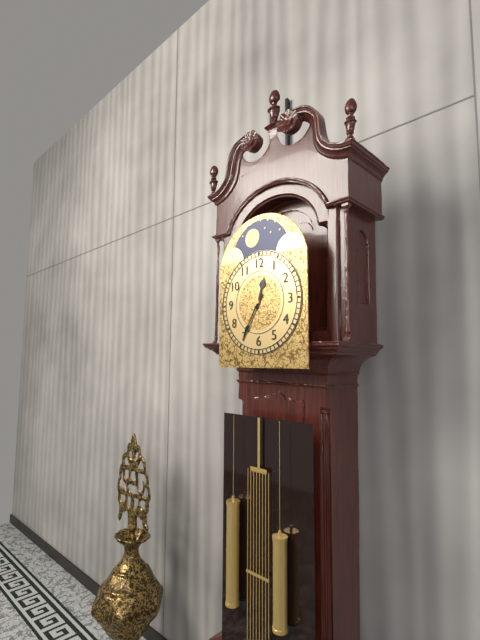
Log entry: 12h35
